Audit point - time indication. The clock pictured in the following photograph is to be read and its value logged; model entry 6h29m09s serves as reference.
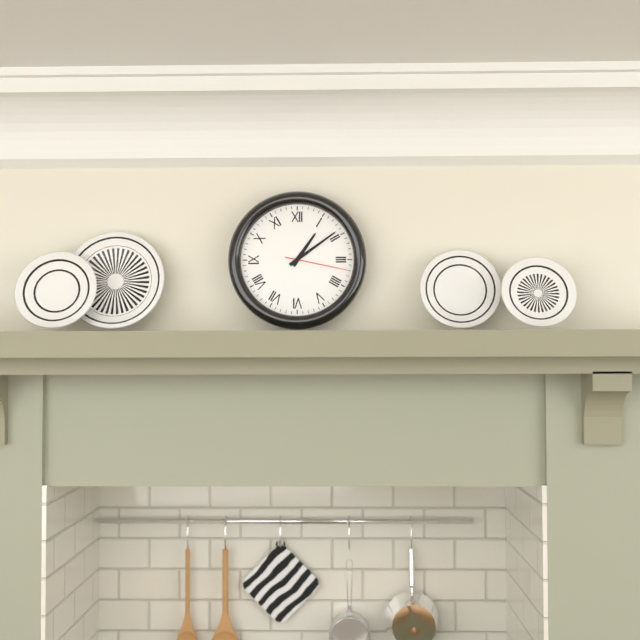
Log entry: 1h09m17s
